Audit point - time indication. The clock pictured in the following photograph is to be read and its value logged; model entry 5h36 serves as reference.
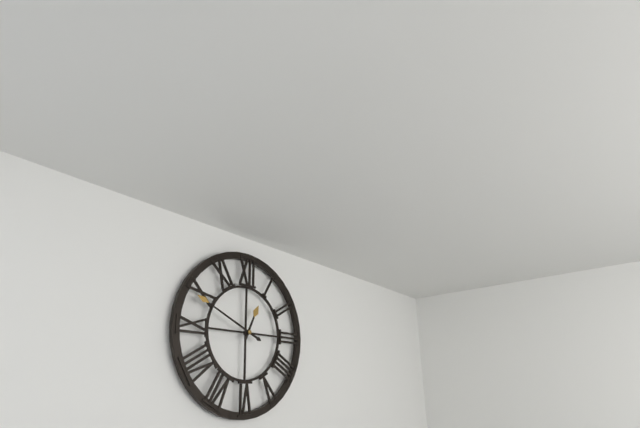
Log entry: 12h49
